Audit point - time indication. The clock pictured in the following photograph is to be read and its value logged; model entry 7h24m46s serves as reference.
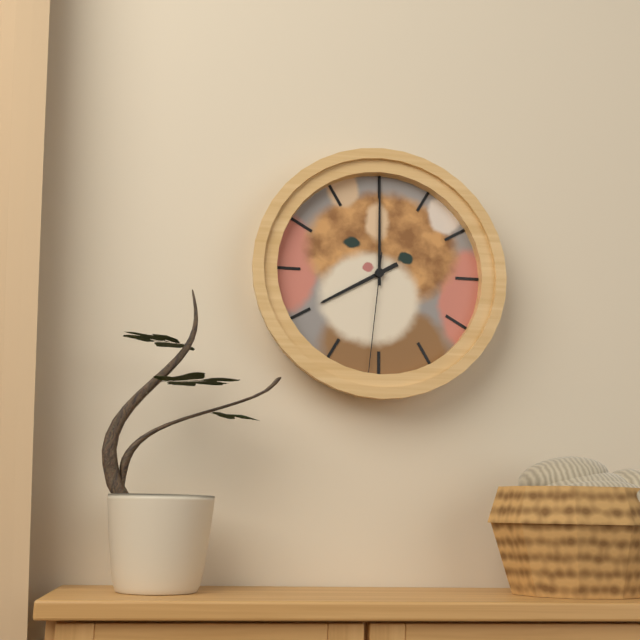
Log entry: 8h00m31s
